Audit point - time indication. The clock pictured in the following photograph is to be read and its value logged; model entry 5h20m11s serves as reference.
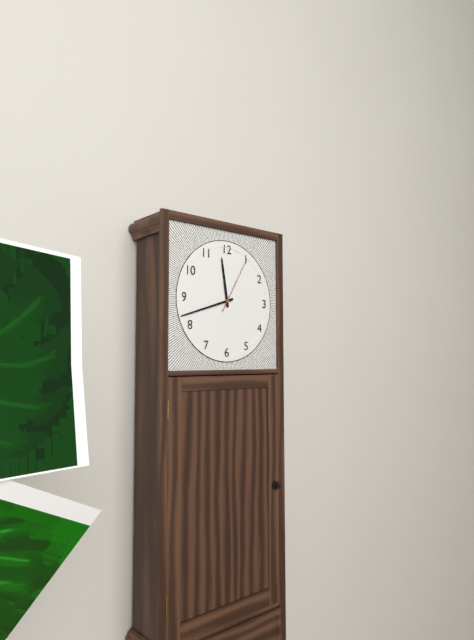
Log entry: 11h42m05s
